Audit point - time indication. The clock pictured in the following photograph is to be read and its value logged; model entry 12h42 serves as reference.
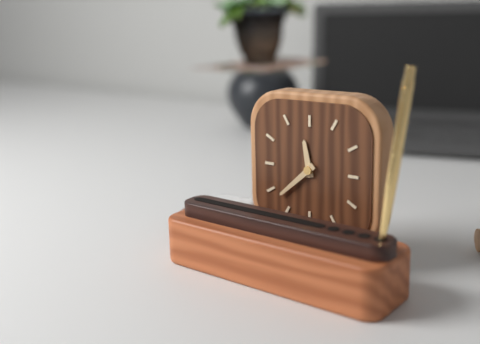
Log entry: 11h38
